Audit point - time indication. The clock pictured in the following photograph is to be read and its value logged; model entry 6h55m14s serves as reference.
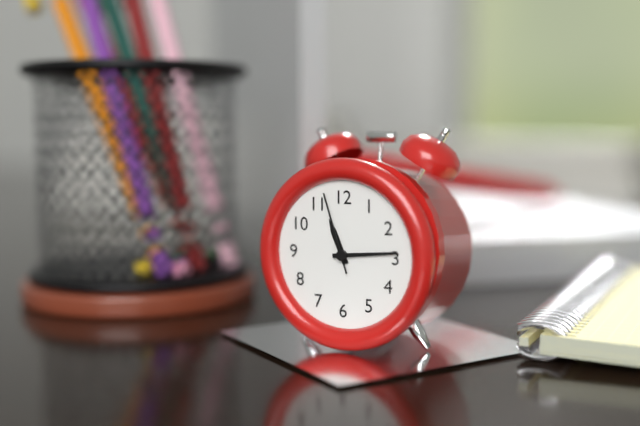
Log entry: 11h14m57s
